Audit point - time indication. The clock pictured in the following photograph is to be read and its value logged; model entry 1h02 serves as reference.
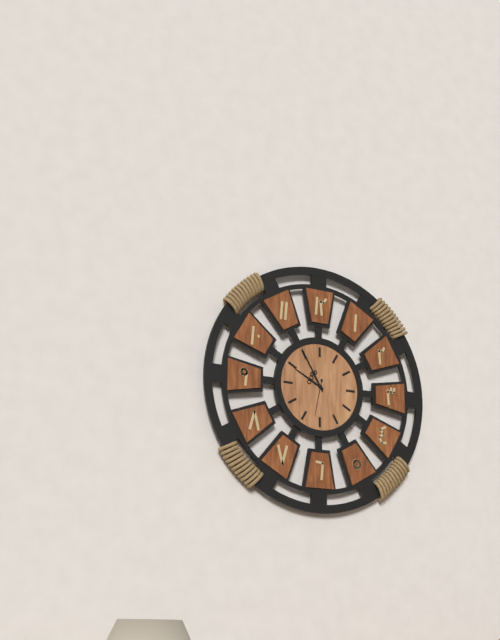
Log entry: 9h55
